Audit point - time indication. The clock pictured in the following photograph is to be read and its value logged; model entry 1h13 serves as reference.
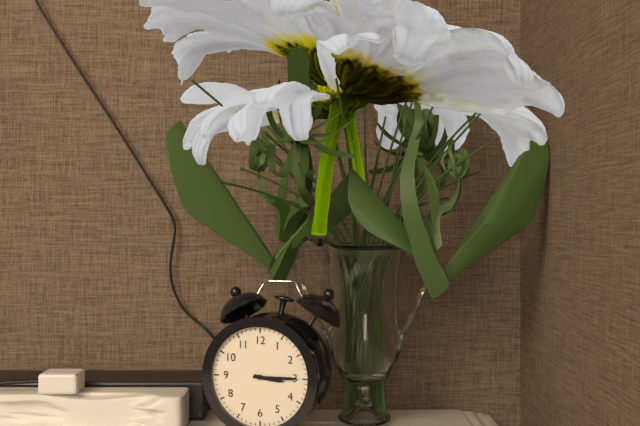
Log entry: 3h15
